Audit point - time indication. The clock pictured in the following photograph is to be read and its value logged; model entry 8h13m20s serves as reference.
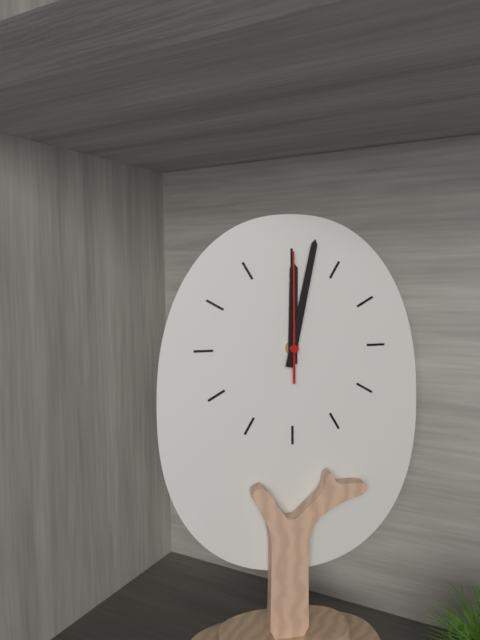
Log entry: 12h02m00s
